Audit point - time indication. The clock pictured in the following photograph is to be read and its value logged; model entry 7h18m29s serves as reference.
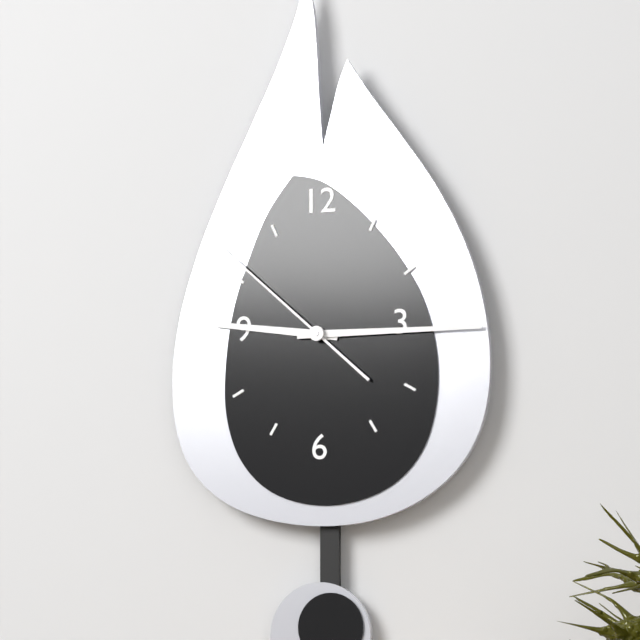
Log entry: 9h15m52s
